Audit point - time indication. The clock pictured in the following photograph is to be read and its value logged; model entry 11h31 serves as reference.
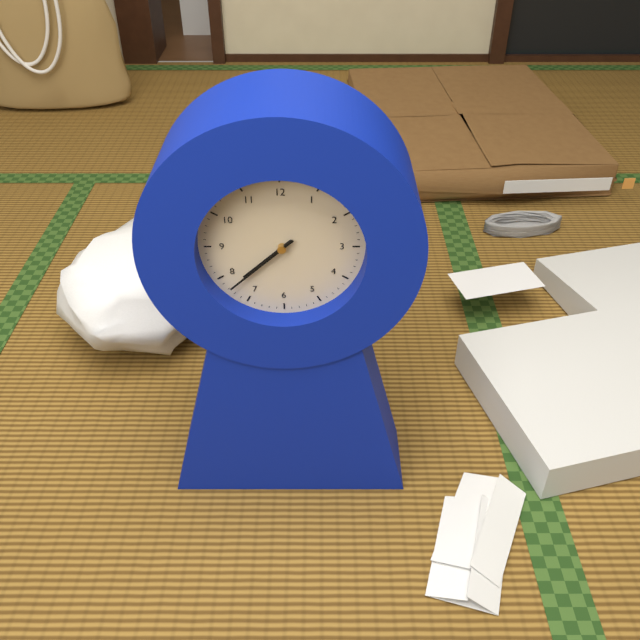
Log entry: 7h38
